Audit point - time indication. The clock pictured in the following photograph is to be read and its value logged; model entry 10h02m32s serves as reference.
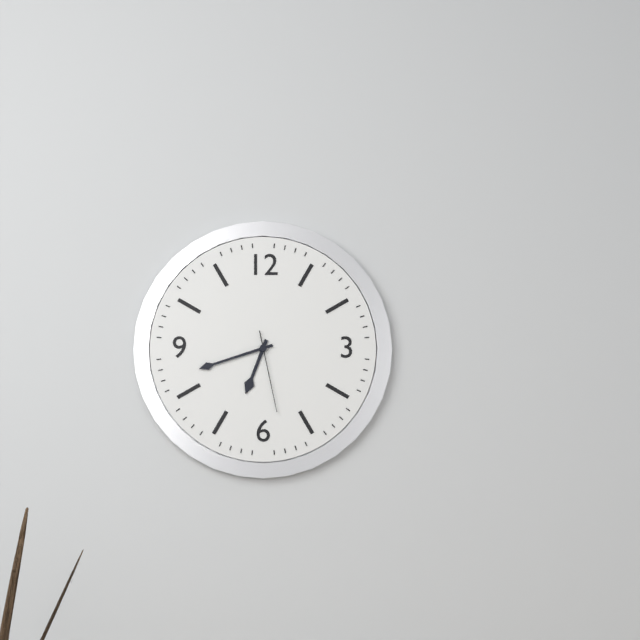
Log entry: 6h42m28s
